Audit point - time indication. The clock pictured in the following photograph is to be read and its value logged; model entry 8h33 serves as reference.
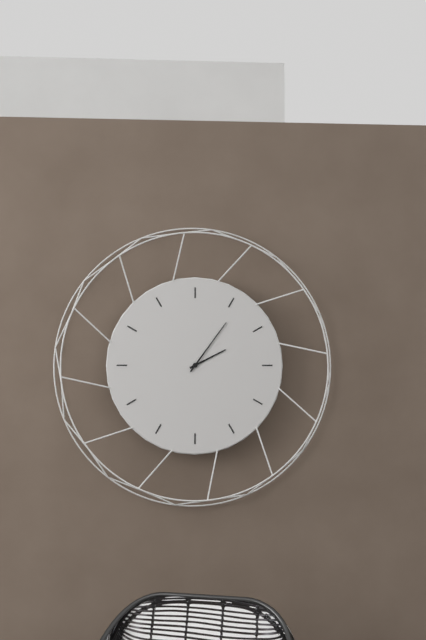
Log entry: 2h06
